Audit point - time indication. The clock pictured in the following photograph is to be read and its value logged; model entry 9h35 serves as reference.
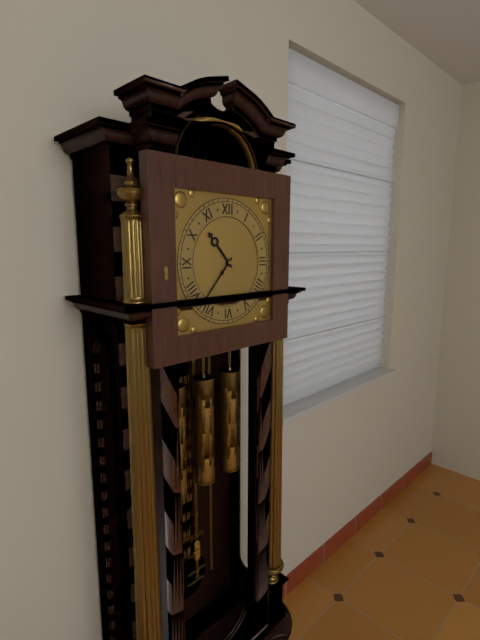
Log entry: 10h37
